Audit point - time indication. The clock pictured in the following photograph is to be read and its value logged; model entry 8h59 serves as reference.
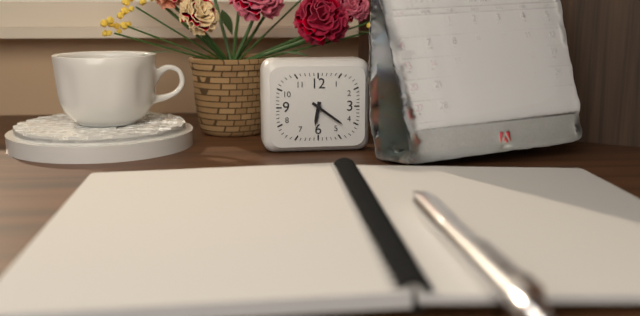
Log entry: 6h21
